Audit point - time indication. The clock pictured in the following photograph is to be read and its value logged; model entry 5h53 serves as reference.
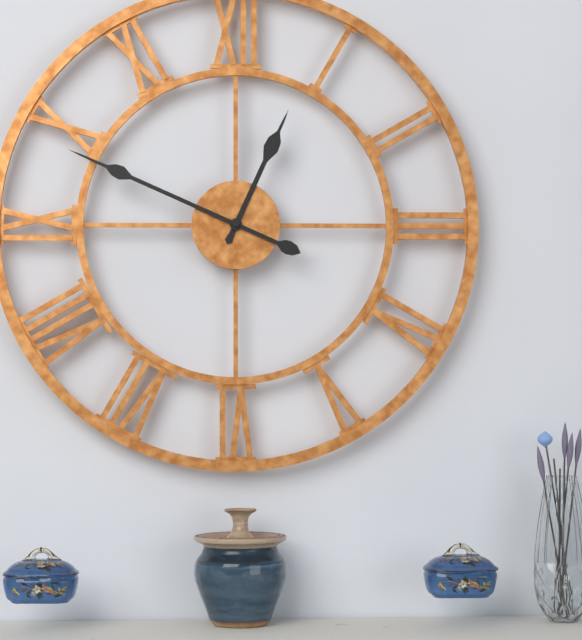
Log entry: 12h49
